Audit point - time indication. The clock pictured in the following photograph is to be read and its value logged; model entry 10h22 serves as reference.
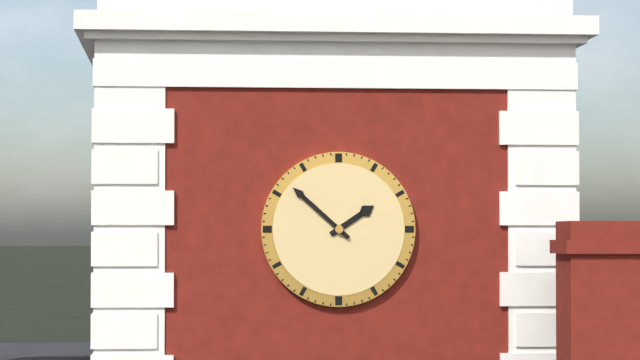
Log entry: 1h52
